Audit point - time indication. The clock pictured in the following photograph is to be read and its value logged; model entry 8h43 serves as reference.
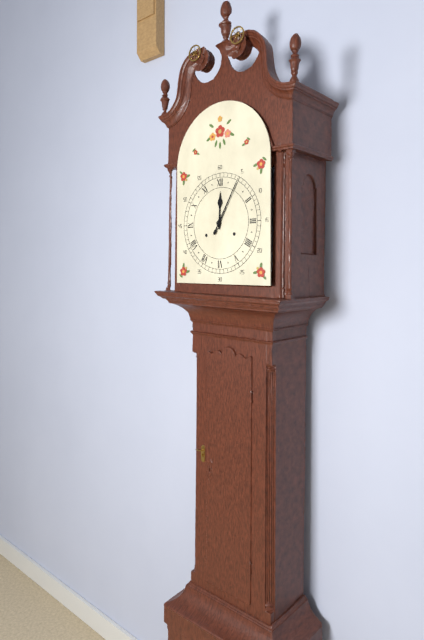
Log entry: 12h05
